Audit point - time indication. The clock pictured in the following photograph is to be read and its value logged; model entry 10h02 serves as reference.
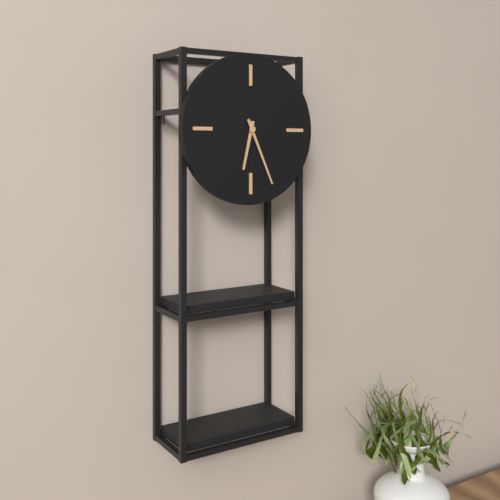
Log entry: 6h26
